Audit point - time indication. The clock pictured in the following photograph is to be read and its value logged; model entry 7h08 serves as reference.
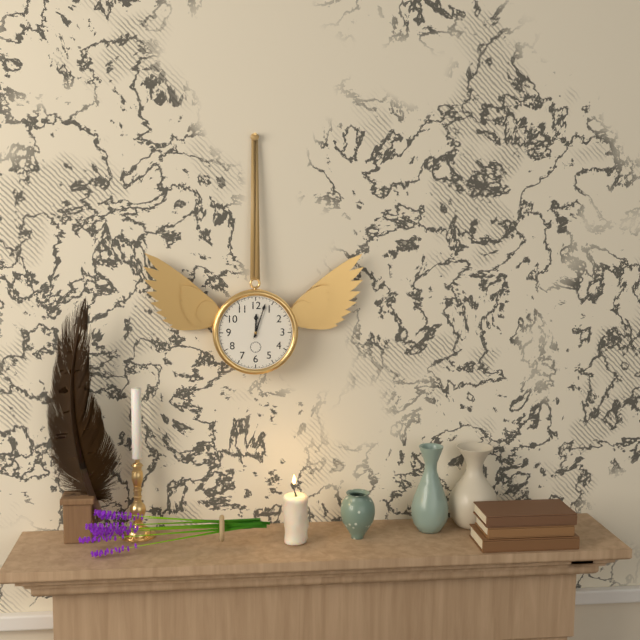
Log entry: 12h03
